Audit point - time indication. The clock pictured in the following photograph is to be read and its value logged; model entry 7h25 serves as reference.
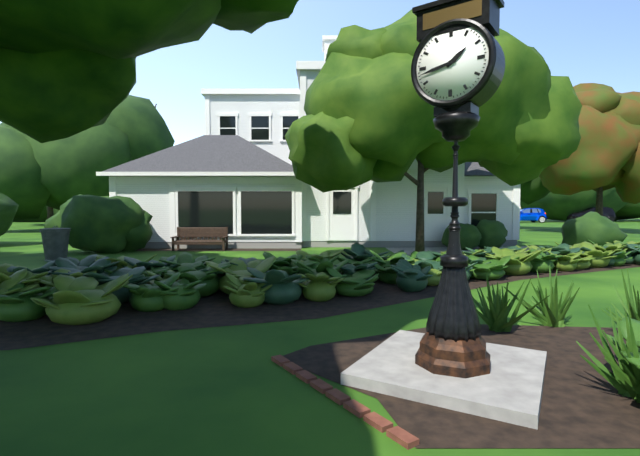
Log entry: 1h43
